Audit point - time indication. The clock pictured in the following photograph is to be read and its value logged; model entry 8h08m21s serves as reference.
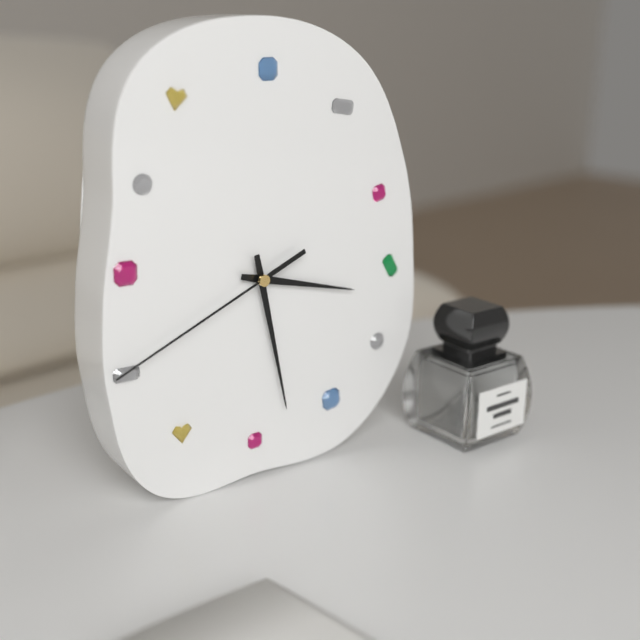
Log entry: 3h28m41s
